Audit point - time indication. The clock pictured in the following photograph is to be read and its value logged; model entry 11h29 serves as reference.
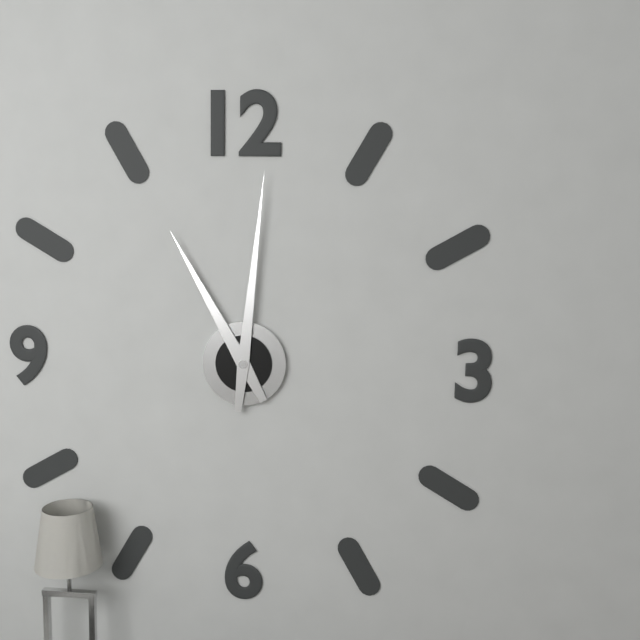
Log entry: 11h01
